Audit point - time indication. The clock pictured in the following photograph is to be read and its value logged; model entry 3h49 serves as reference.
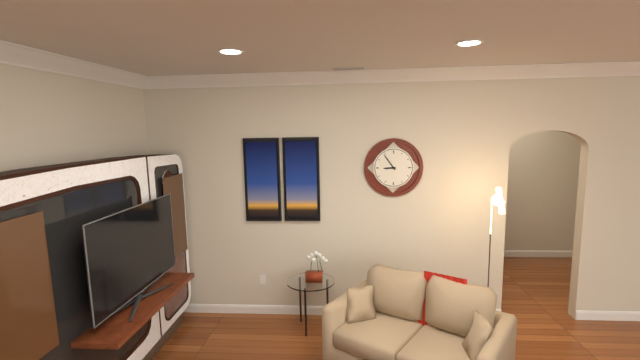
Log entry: 8h54
